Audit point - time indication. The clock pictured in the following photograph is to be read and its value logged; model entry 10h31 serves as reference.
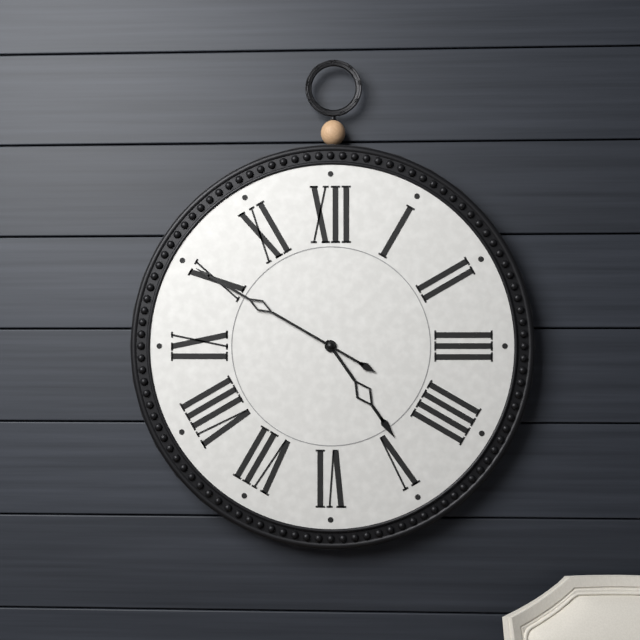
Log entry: 4h50
